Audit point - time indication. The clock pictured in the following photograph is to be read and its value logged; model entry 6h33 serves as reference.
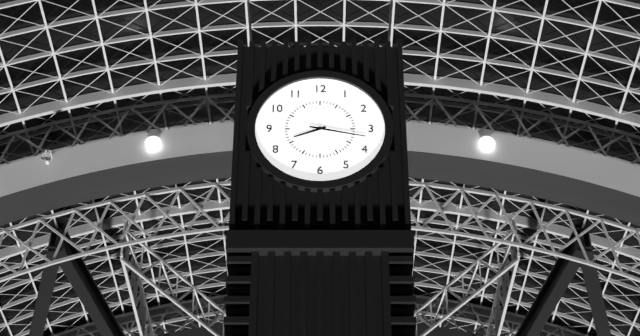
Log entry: 8h17
